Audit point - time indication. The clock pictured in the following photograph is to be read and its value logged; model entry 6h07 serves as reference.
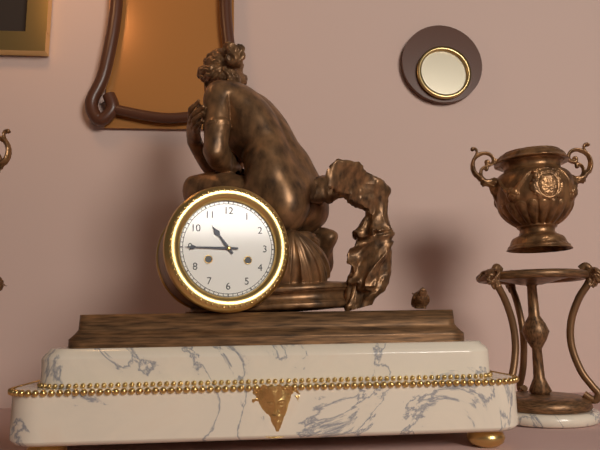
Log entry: 10h45
